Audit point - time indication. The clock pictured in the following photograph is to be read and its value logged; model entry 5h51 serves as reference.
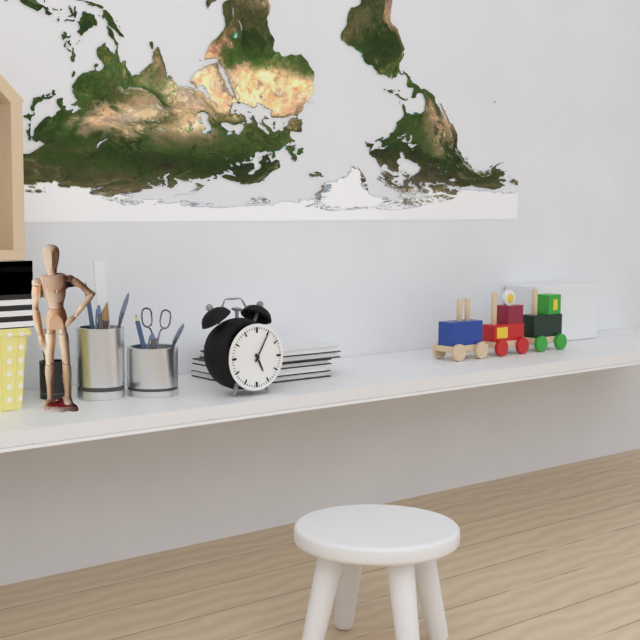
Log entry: 5h05
